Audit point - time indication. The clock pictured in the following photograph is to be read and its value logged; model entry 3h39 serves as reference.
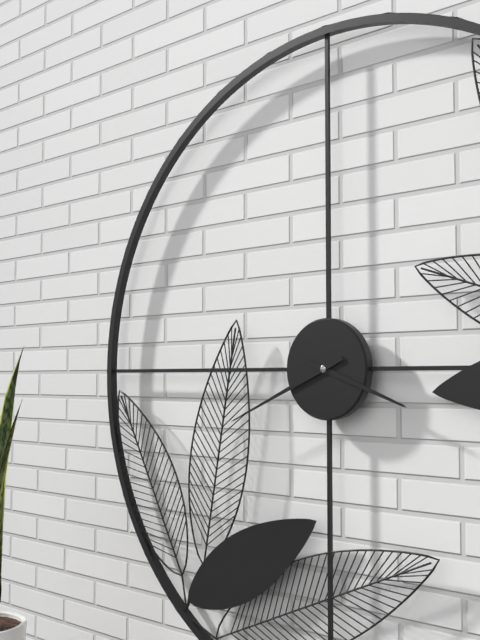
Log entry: 3h41
